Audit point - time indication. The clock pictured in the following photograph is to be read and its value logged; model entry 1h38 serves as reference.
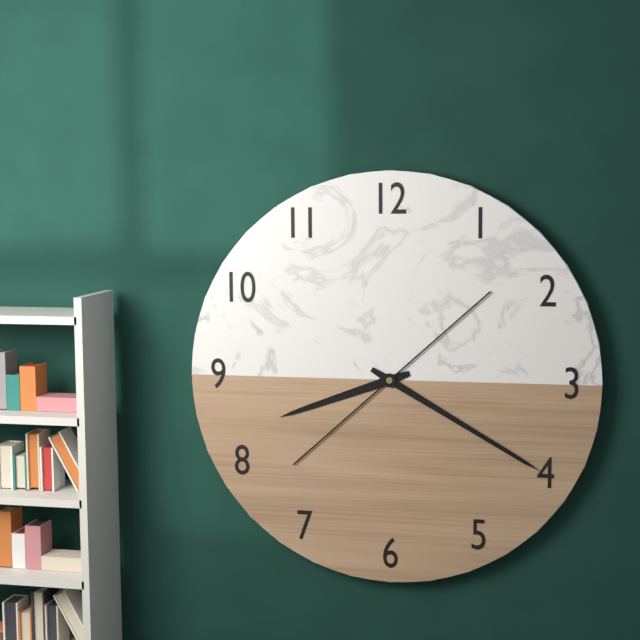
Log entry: 8h20
